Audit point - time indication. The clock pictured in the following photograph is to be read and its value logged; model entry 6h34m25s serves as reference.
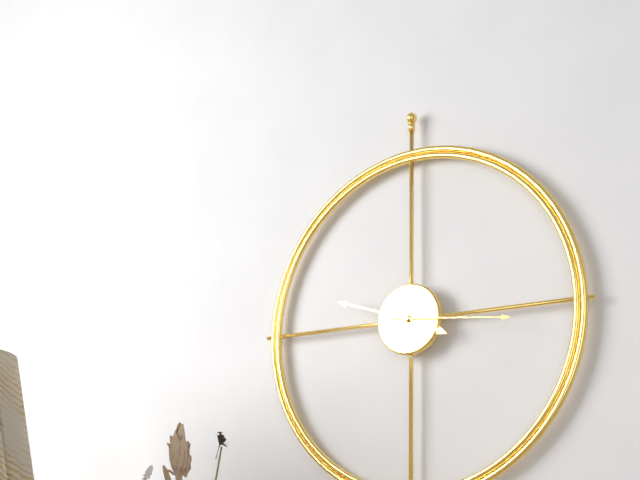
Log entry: 3h48m16s
